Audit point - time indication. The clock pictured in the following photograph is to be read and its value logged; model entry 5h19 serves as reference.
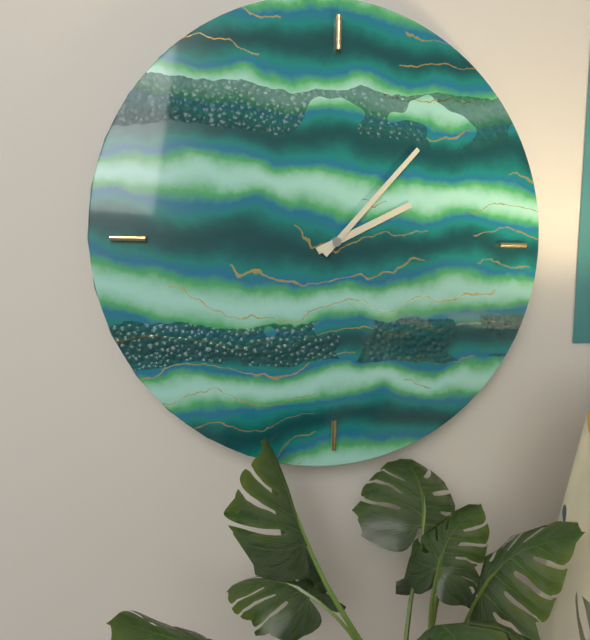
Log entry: 2h07
